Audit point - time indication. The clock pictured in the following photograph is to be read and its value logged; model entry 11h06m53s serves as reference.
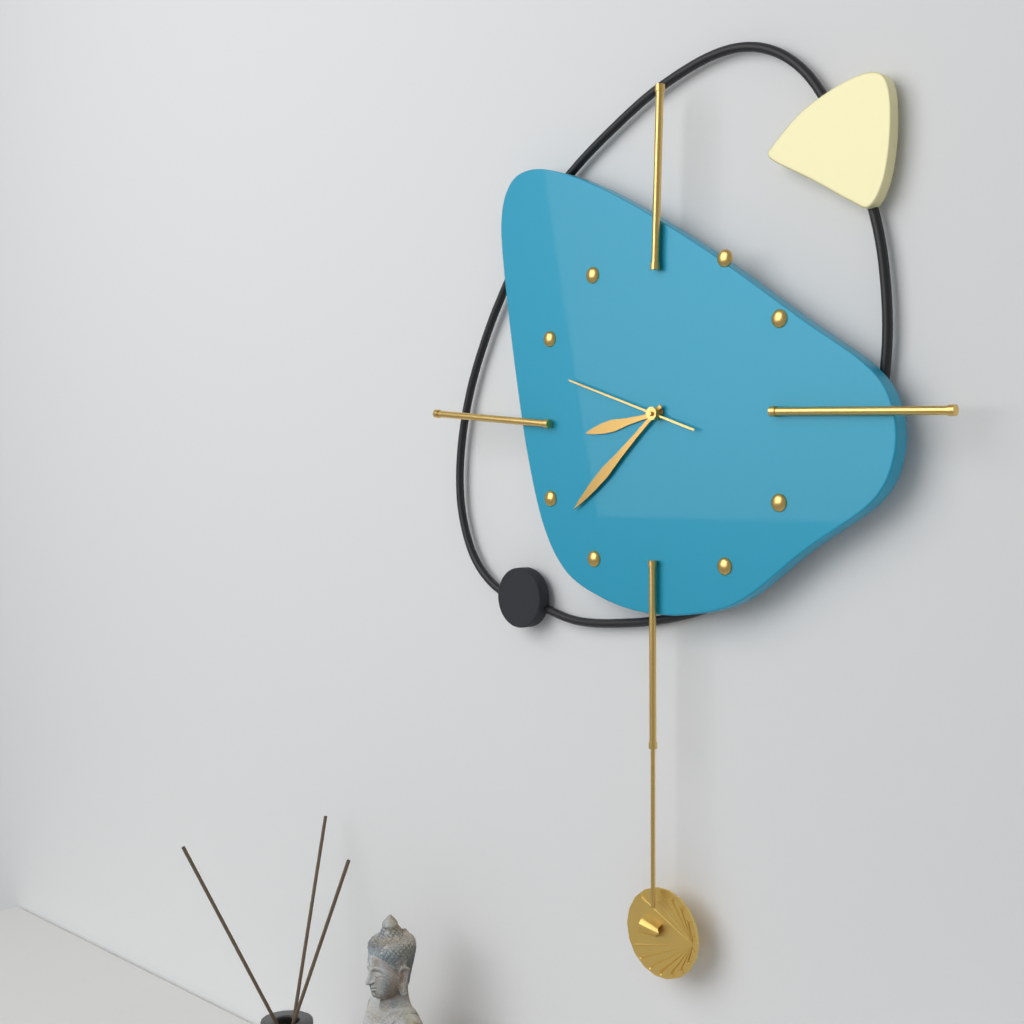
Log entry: 8h38m48s
